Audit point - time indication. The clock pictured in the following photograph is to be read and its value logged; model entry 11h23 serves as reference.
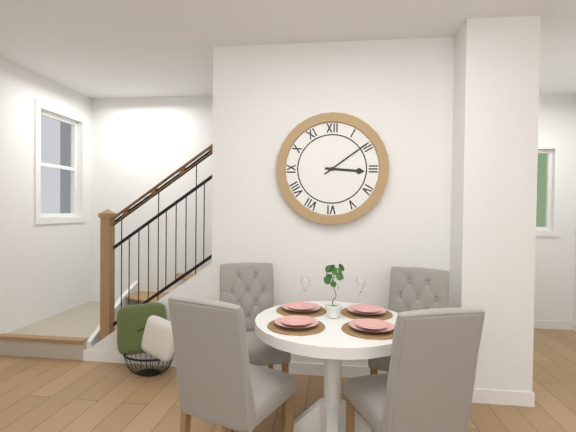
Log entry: 3h09
